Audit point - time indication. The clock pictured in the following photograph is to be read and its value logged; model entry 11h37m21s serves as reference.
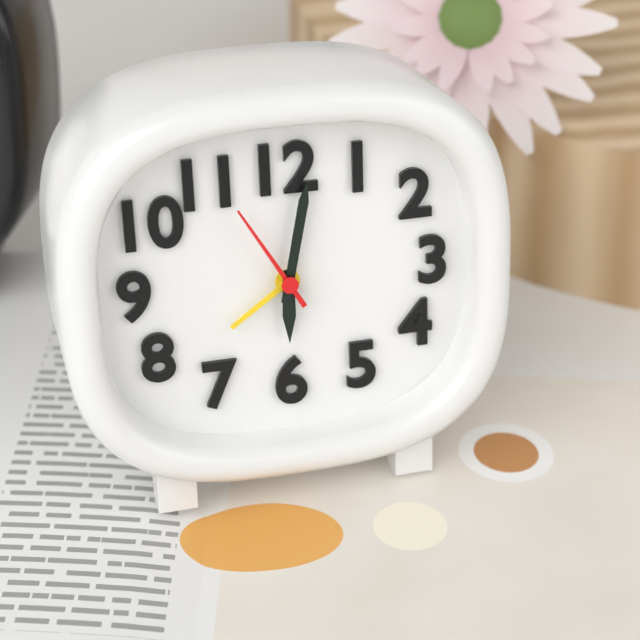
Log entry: 6h02m55s
